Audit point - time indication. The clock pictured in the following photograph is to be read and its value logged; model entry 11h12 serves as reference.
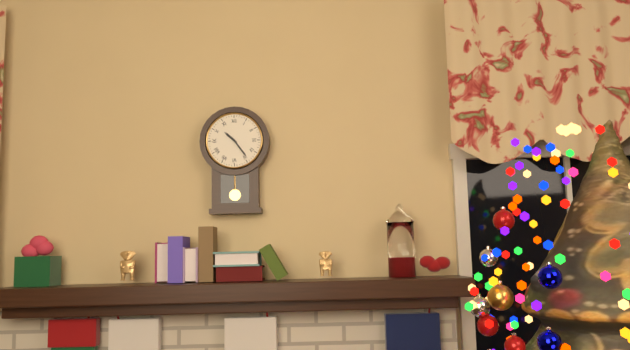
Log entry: 10h24
